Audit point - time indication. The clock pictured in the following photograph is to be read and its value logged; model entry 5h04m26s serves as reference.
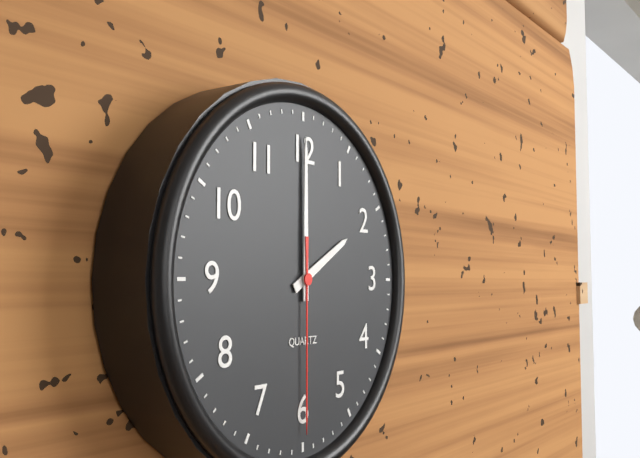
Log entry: 2h00m30s
